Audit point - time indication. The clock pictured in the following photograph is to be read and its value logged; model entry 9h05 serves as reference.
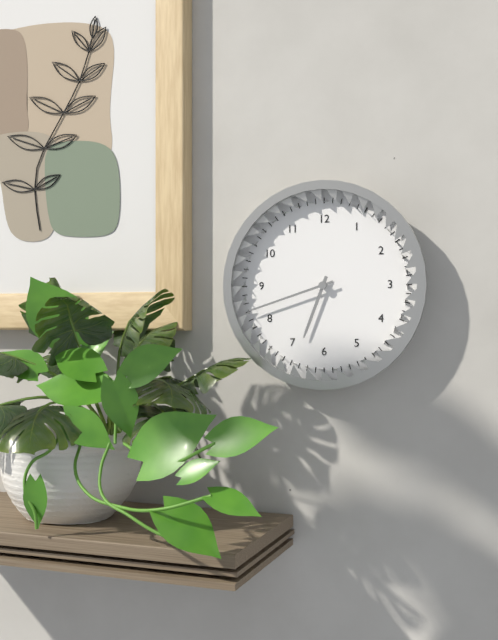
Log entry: 6h42
